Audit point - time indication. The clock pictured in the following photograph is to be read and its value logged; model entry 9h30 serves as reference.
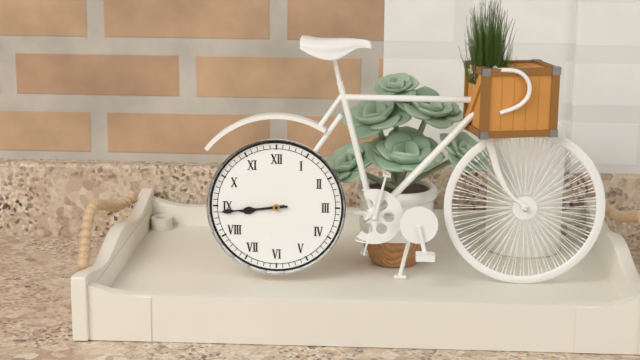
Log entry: 8h44
